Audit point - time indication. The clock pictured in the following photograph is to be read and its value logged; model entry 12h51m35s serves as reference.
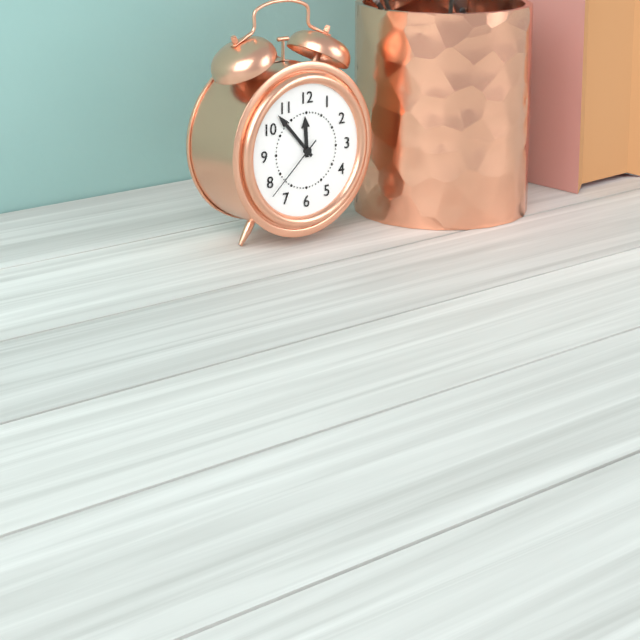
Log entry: 11h53m38s
